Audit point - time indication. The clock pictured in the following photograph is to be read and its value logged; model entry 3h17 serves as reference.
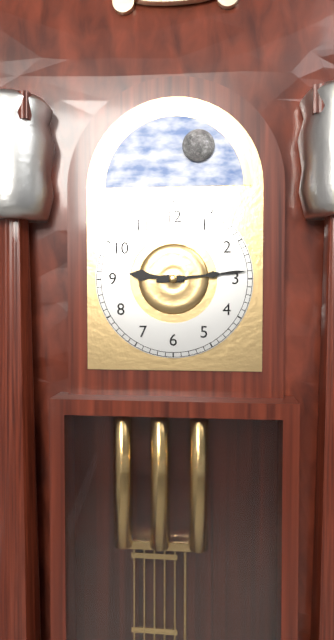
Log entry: 9h14
